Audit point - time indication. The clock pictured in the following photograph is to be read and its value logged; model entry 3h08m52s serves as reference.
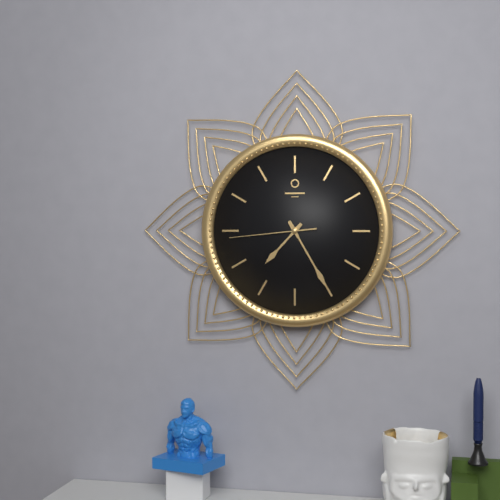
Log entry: 7h25m44s
